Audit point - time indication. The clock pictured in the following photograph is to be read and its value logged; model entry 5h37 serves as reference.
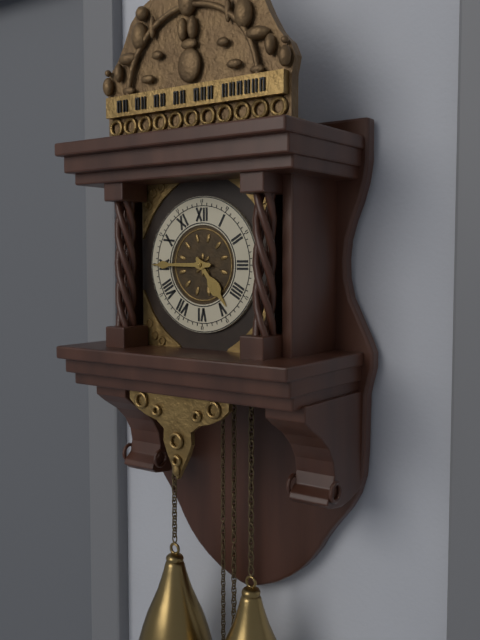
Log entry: 4h45
